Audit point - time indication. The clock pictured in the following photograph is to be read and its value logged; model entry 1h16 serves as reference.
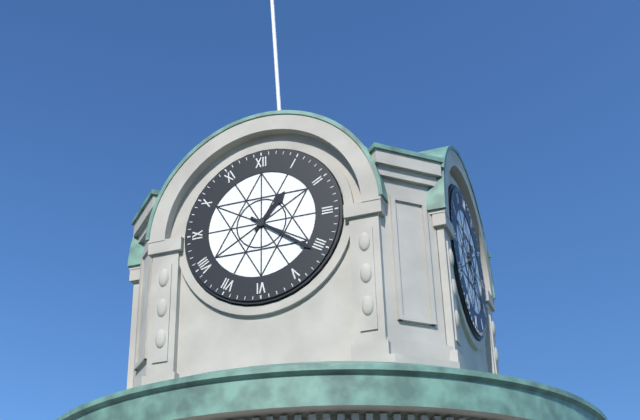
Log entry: 1h21
